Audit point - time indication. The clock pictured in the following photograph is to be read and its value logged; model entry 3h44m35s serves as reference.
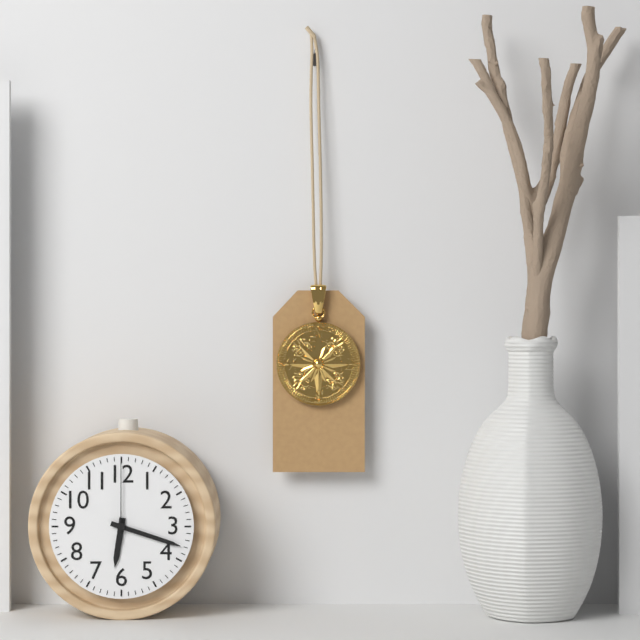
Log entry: 6h18m00s
